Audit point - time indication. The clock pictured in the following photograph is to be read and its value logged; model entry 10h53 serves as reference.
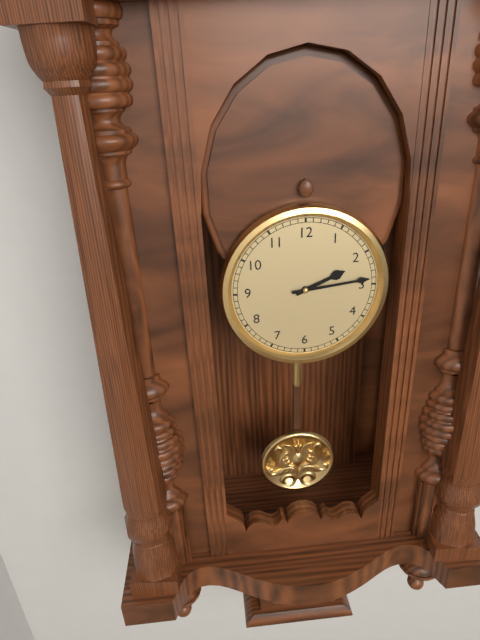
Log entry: 2h14
